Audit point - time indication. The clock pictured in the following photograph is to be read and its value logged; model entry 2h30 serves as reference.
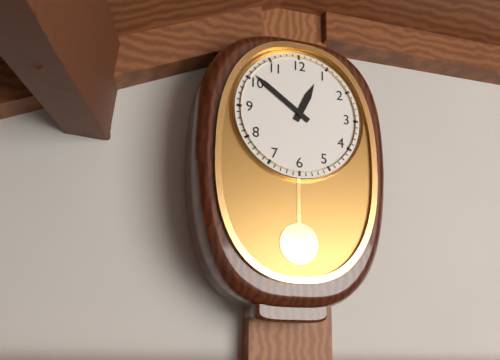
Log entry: 12h51
